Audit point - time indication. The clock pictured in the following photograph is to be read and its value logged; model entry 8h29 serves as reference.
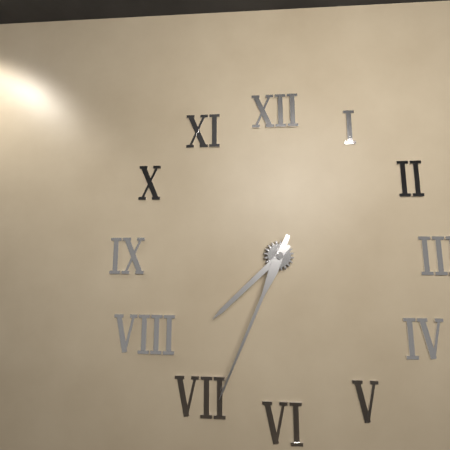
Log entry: 7h34
